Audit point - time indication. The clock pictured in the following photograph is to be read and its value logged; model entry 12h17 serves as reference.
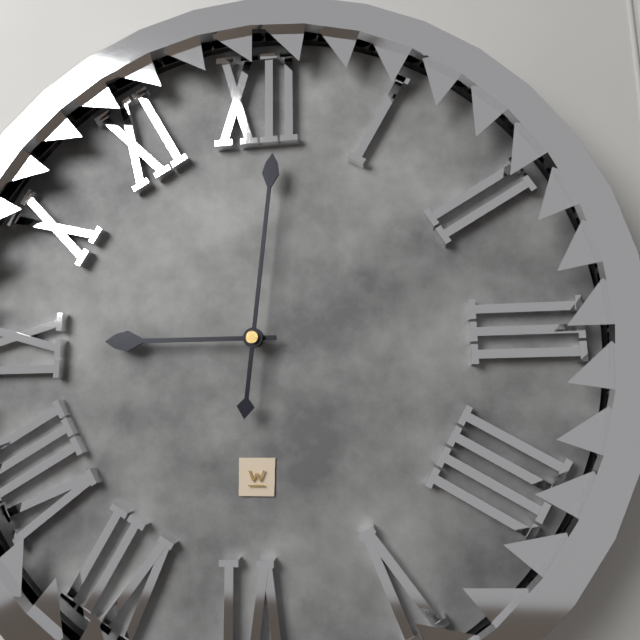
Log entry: 9h01
